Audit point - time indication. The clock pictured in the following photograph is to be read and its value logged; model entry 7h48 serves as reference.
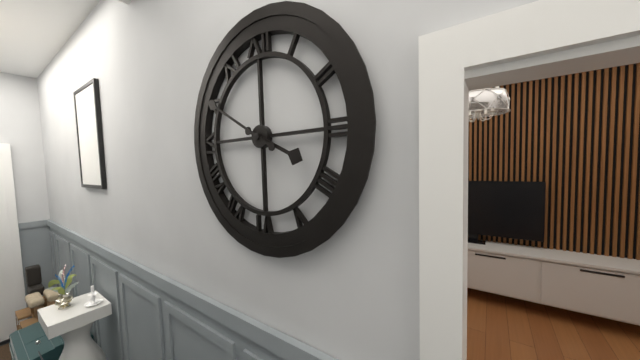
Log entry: 3h50
